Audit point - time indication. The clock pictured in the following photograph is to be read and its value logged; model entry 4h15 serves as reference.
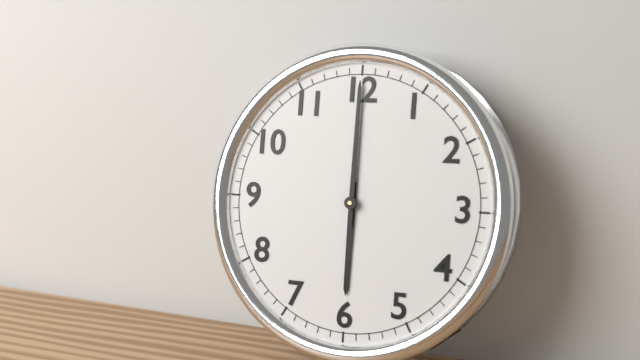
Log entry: 6h00
